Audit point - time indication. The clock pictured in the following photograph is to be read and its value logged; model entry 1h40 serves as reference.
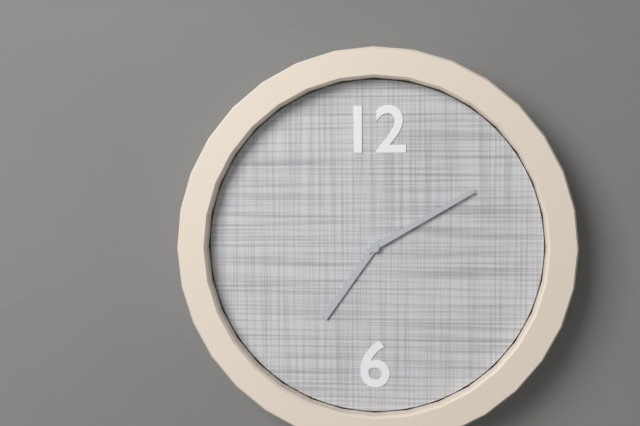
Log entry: 7h10
